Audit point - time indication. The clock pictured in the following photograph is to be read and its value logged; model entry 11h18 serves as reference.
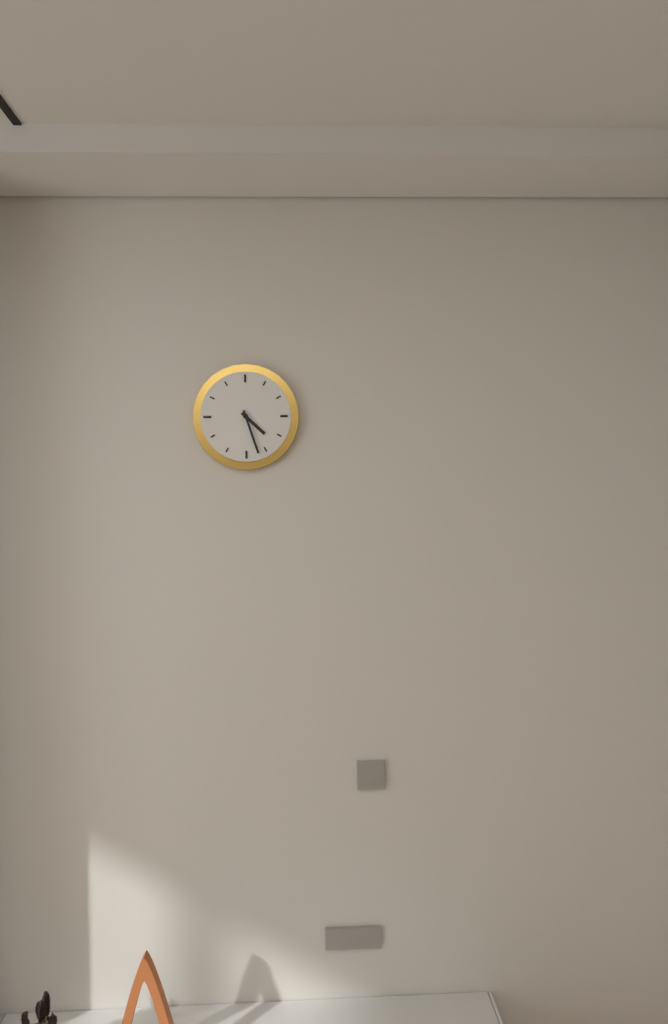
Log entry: 4h27
